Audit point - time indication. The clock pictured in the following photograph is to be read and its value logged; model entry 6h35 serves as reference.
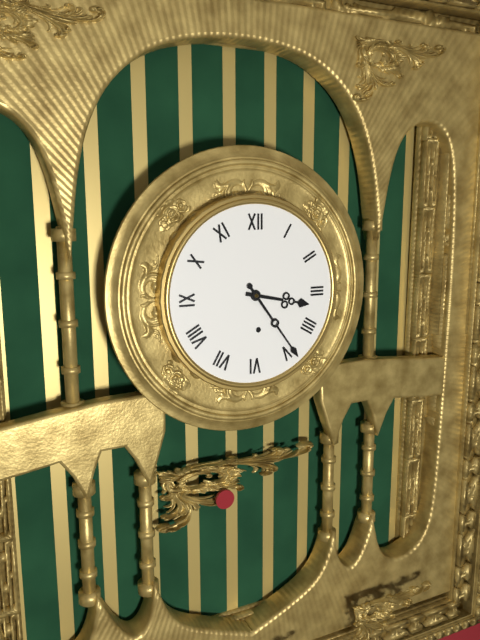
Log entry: 3h24
